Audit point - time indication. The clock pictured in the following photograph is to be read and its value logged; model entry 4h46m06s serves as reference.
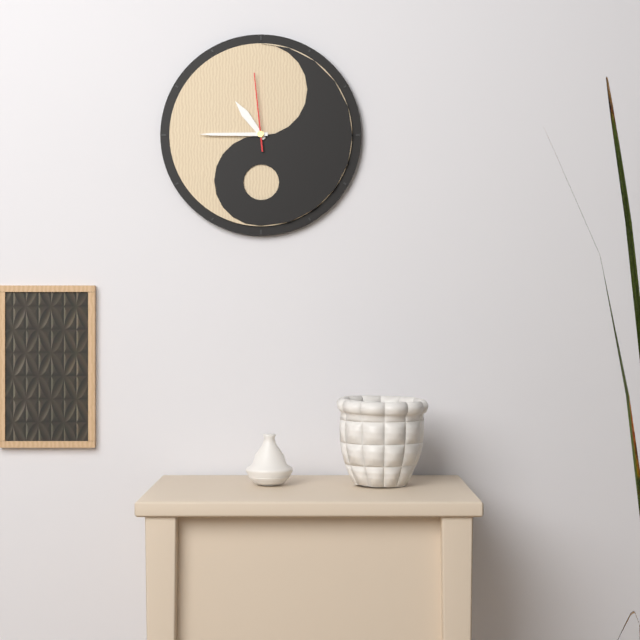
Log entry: 10h45m59s
